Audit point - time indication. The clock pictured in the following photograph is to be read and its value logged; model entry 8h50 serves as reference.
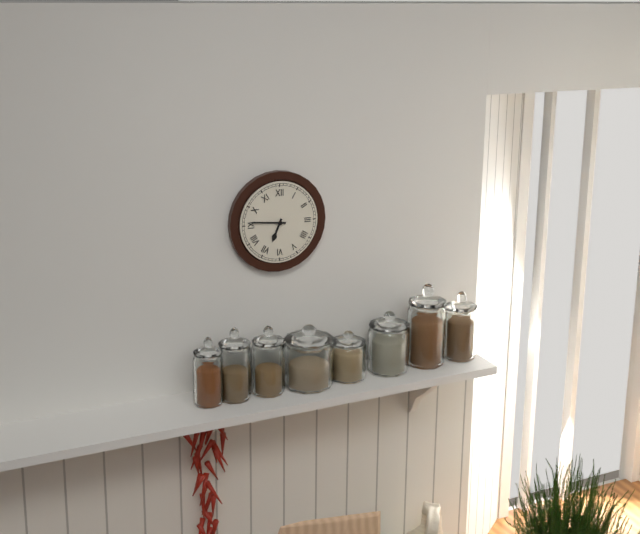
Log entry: 6h46
